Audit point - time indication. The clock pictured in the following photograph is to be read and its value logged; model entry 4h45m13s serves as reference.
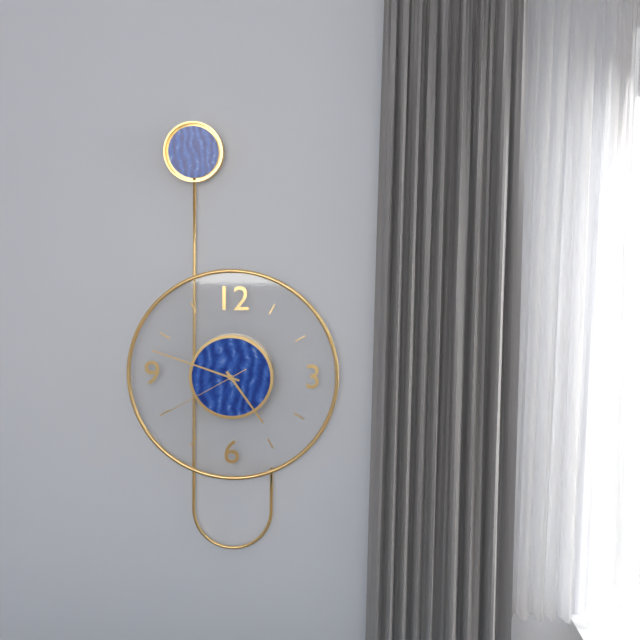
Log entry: 4h48m40s
